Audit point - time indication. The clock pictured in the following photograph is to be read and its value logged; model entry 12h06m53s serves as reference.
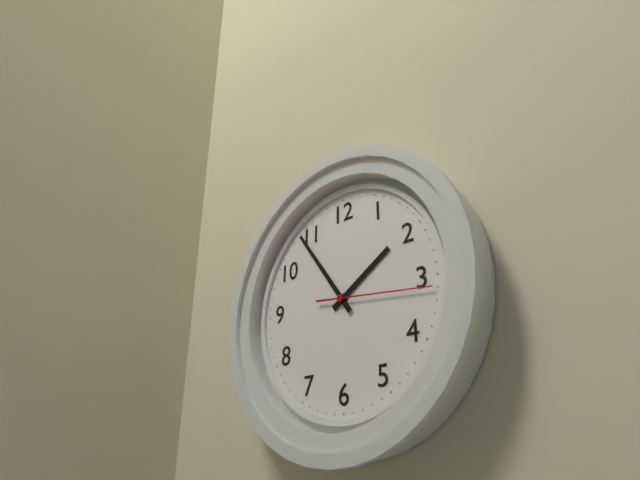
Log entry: 1h54m16s
